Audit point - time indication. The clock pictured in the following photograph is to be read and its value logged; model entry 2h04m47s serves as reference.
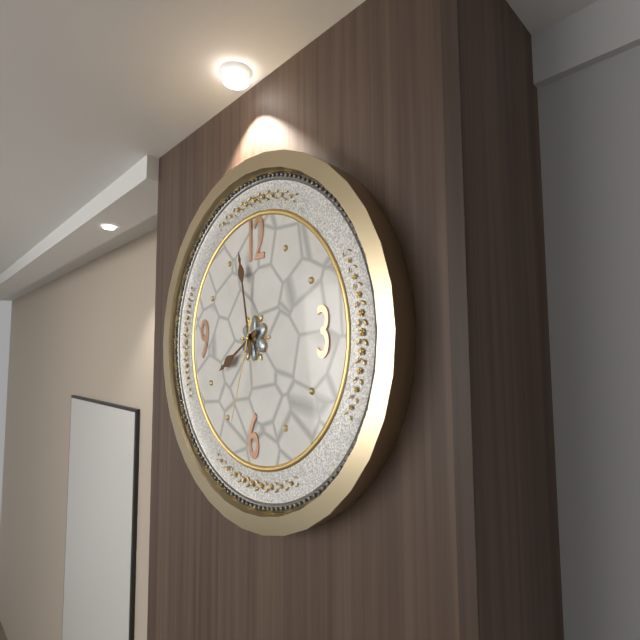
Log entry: 7h58m33s
